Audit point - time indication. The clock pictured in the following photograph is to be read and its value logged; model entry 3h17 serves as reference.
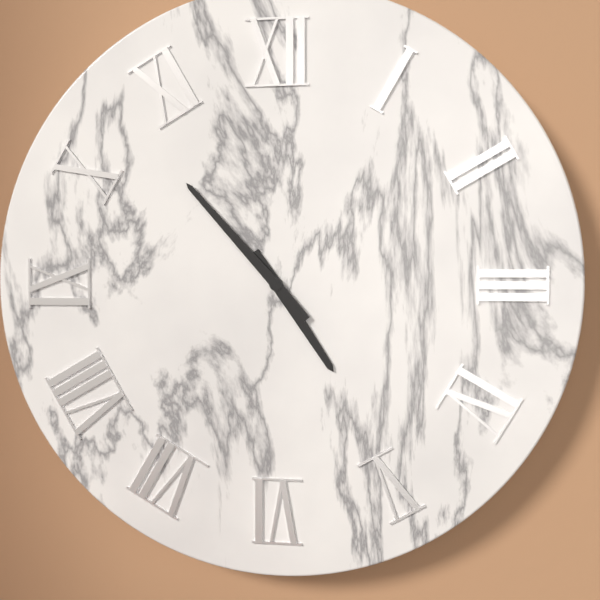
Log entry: 4h53
